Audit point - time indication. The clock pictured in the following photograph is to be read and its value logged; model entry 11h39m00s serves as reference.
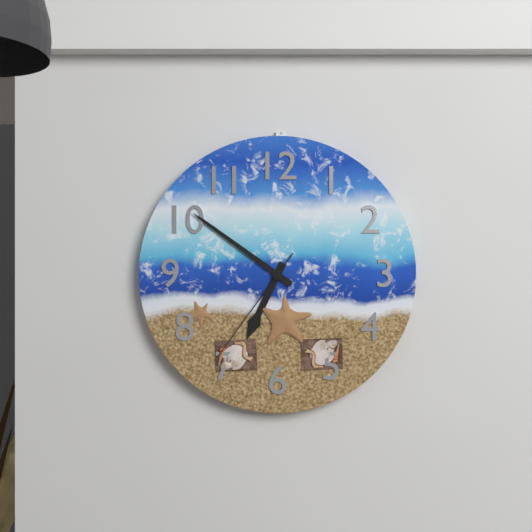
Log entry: 6h51m36s
